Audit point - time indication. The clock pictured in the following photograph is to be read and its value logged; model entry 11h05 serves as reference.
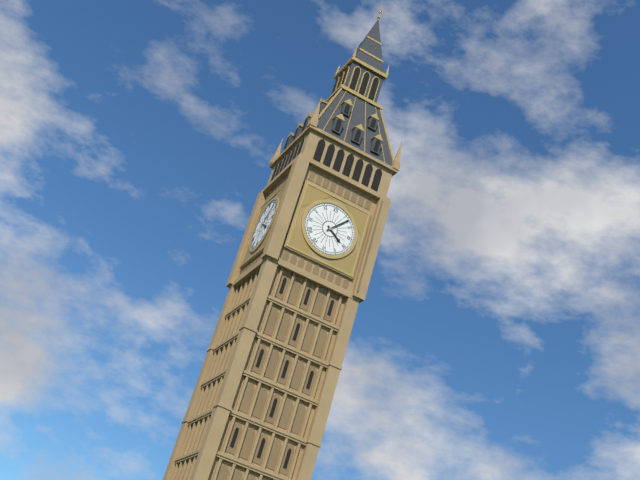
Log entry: 4h07
